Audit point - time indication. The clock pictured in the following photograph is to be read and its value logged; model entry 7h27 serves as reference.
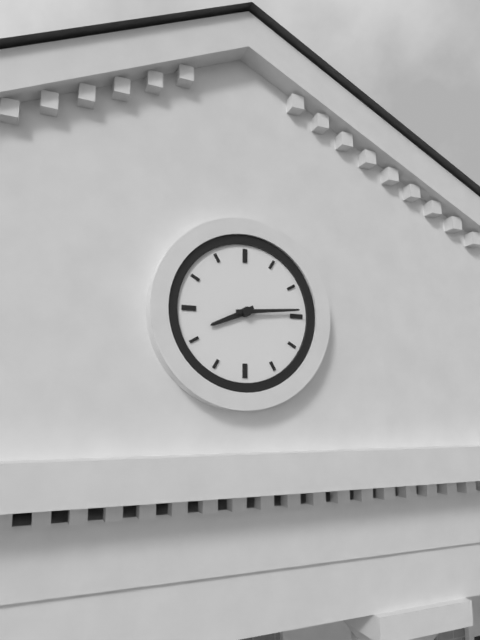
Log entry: 8h14
